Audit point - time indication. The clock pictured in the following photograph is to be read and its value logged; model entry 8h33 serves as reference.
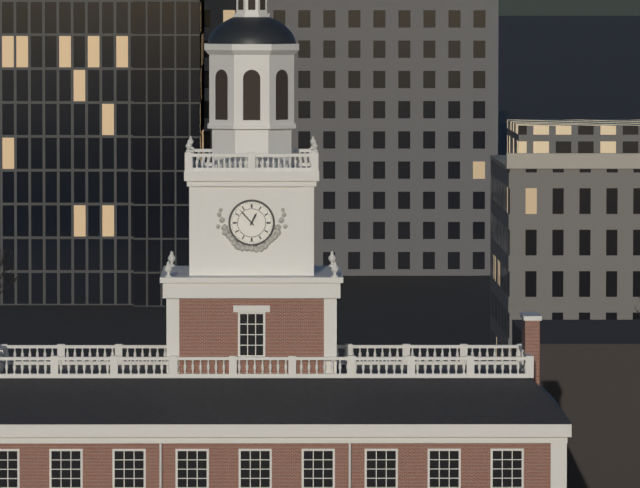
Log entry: 12h53
